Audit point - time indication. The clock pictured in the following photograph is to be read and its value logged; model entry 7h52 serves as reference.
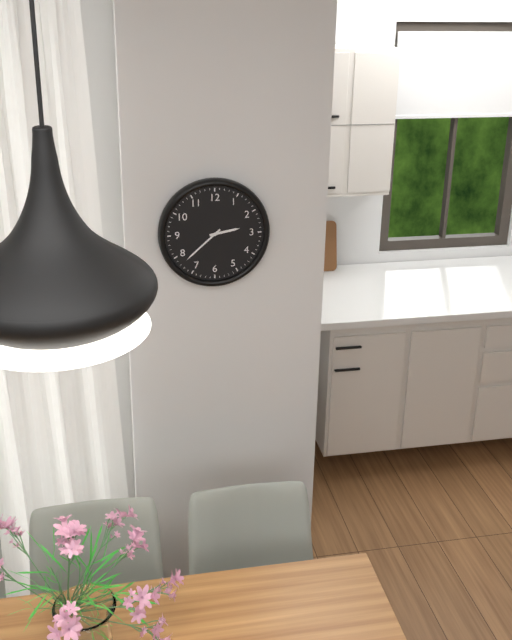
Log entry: 2h38
